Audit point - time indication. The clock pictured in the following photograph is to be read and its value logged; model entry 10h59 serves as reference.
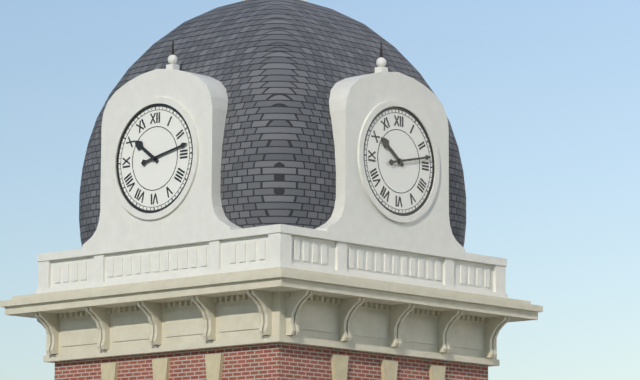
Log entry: 10h13
